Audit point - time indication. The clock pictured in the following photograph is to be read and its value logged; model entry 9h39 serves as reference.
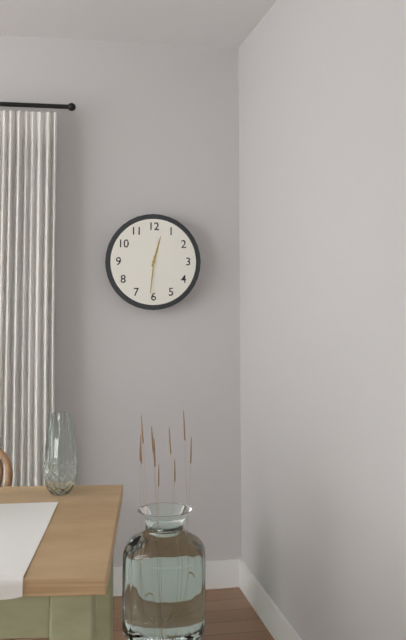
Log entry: 12h31
